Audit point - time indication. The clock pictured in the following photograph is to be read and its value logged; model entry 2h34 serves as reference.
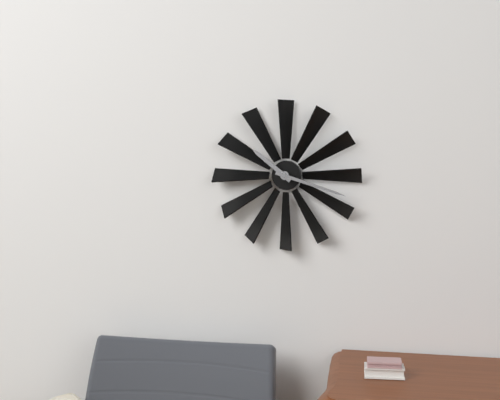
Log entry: 10h18
